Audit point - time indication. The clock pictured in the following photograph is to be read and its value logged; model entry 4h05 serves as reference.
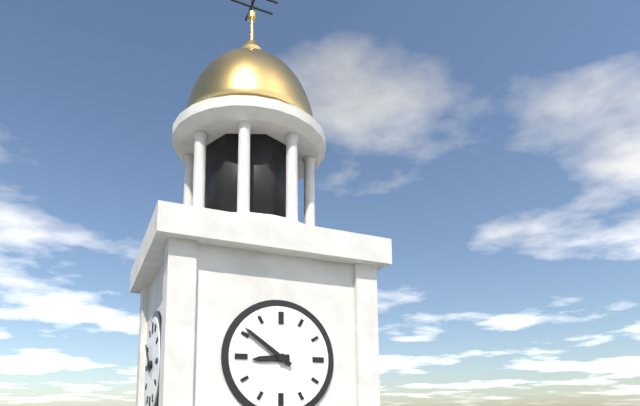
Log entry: 8h51
